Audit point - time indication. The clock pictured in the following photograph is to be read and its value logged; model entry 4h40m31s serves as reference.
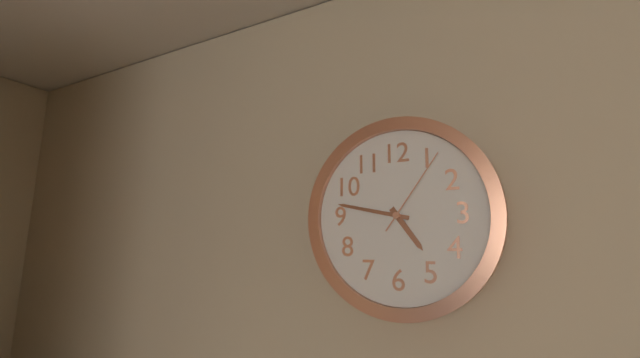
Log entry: 4h47m06s
